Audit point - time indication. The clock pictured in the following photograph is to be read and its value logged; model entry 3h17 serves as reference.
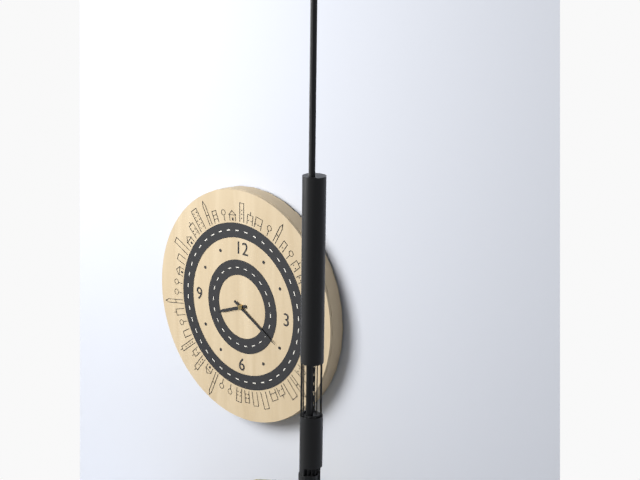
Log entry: 8h20
